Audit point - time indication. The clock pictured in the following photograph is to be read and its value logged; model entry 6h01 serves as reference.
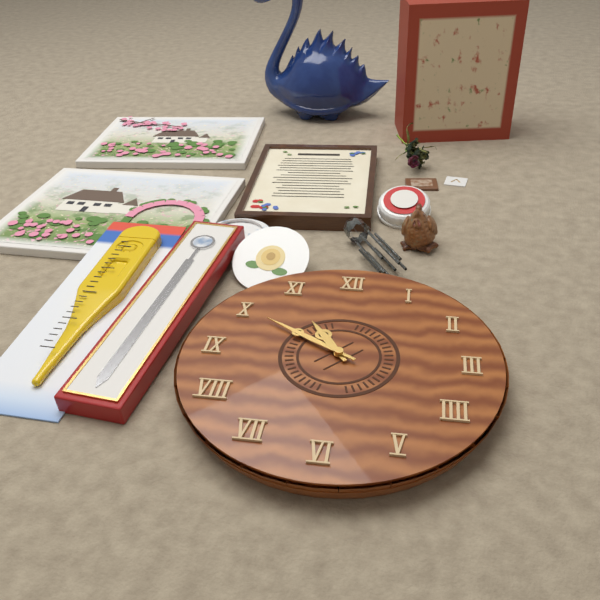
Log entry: 10h50
